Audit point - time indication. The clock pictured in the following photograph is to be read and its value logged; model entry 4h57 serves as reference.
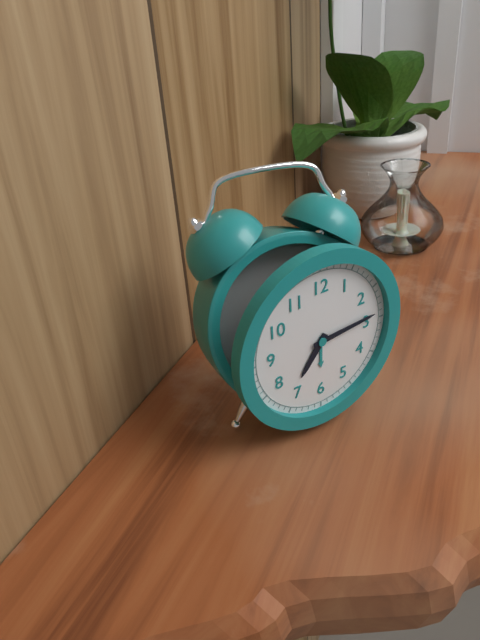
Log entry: 7h14
